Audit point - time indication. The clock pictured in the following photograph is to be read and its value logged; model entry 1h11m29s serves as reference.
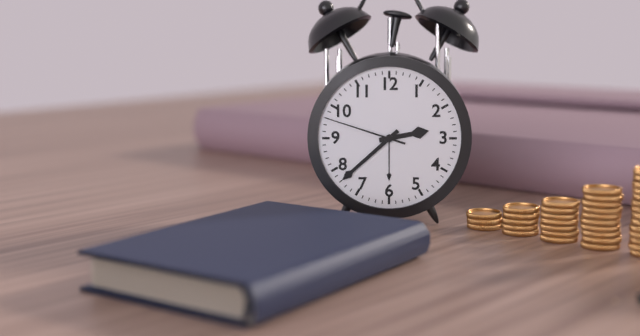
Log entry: 2h38m48s
